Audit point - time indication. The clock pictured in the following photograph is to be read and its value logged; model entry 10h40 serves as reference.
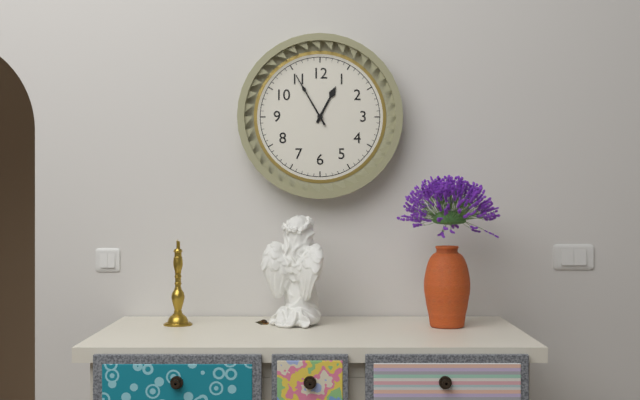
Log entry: 12h55
